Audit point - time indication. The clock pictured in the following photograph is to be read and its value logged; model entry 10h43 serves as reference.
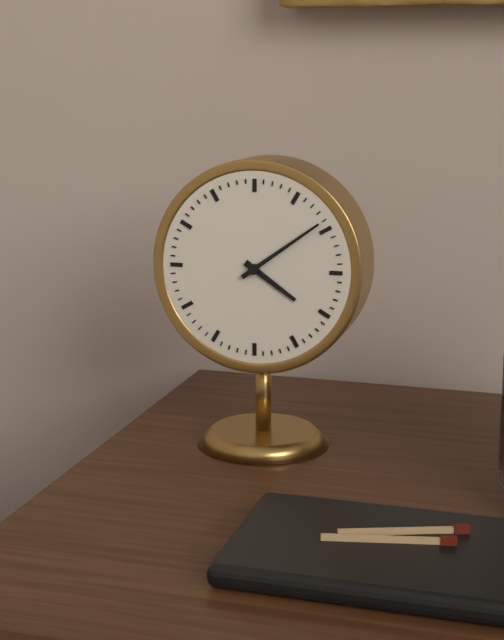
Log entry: 4h09
